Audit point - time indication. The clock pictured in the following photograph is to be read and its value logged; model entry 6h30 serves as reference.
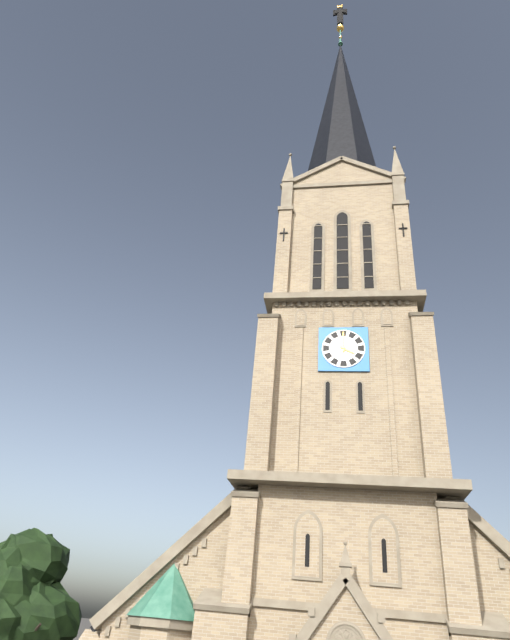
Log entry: 4h00
